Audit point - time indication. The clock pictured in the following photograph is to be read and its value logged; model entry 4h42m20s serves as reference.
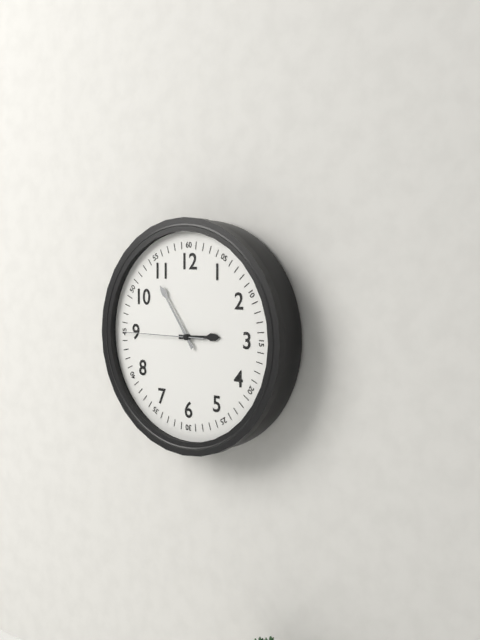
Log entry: 2h54m45s
